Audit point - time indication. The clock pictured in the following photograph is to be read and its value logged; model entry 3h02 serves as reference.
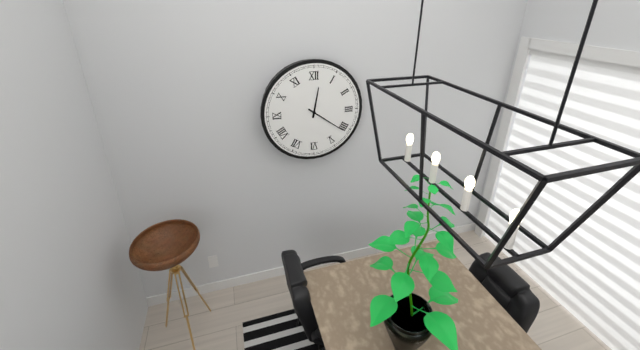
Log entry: 12h21
